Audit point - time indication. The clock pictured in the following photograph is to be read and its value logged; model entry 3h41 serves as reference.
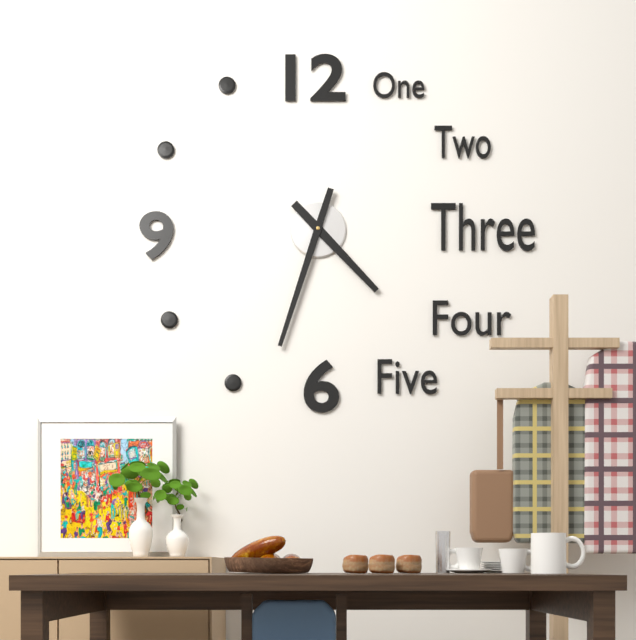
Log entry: 4h33
